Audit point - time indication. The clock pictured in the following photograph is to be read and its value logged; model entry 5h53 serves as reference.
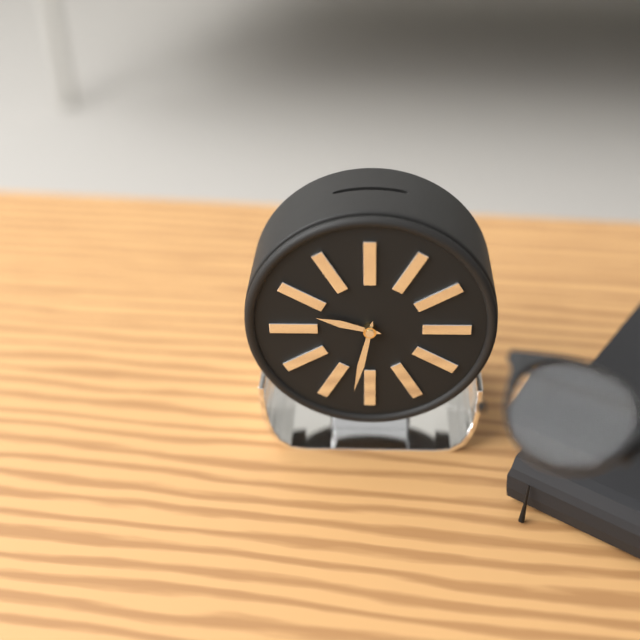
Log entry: 9h32
